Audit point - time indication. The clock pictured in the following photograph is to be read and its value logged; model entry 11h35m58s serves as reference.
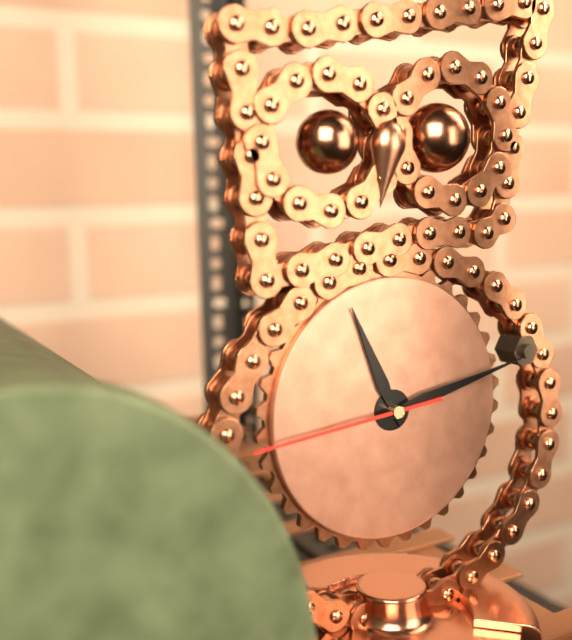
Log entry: 11h13m44s
